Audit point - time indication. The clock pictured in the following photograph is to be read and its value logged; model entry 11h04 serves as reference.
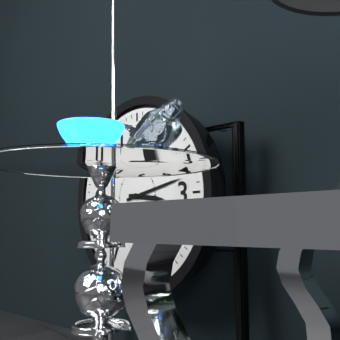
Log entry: 3h13
